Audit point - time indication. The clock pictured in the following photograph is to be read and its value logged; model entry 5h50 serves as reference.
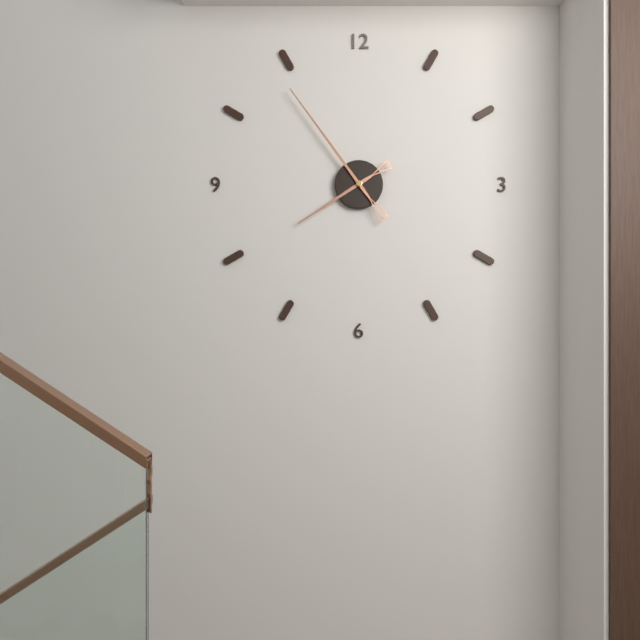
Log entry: 7h54
